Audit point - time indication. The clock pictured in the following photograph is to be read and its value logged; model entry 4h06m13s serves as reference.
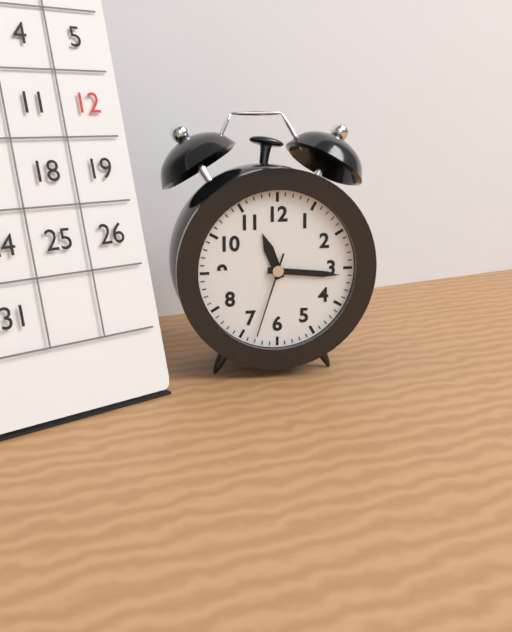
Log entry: 11h16m33s
